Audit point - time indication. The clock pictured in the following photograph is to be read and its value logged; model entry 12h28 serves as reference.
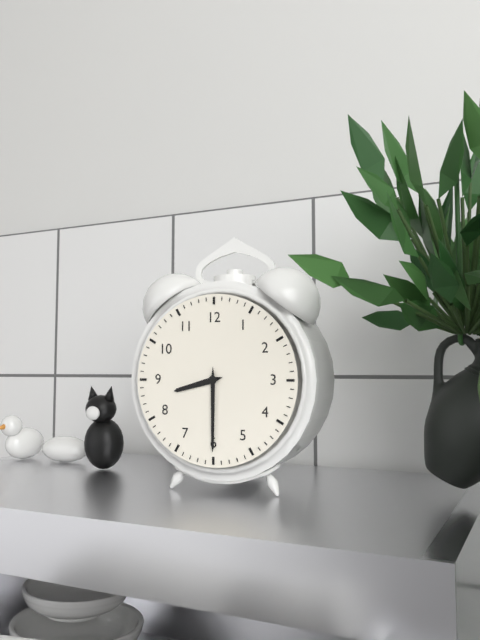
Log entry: 8h30
